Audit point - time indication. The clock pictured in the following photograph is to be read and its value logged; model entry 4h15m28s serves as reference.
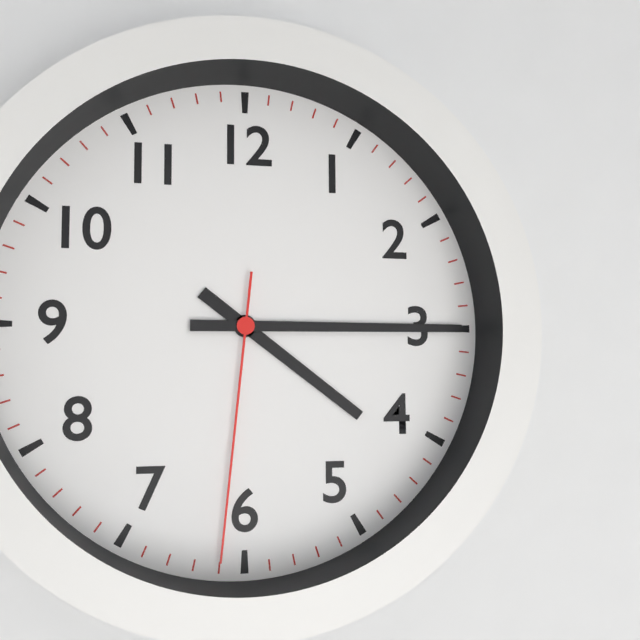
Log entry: 4h15m31s
